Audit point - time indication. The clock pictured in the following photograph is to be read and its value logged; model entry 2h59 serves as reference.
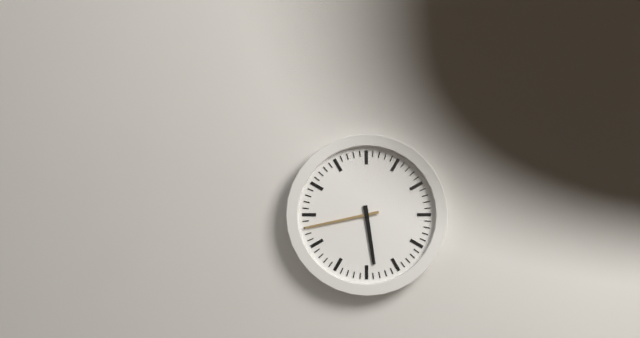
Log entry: 5h43
